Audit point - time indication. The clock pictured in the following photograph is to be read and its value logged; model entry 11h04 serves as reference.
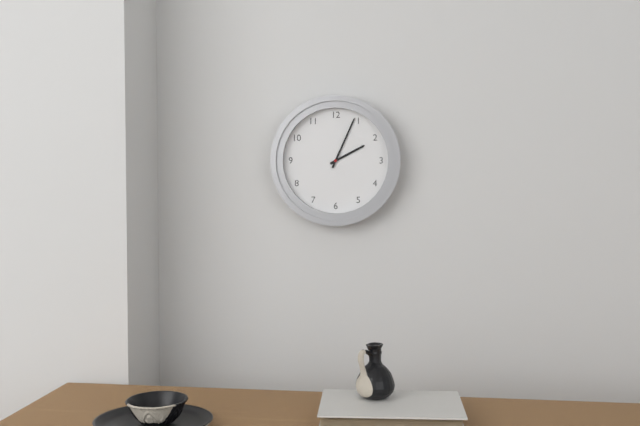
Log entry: 2h04
